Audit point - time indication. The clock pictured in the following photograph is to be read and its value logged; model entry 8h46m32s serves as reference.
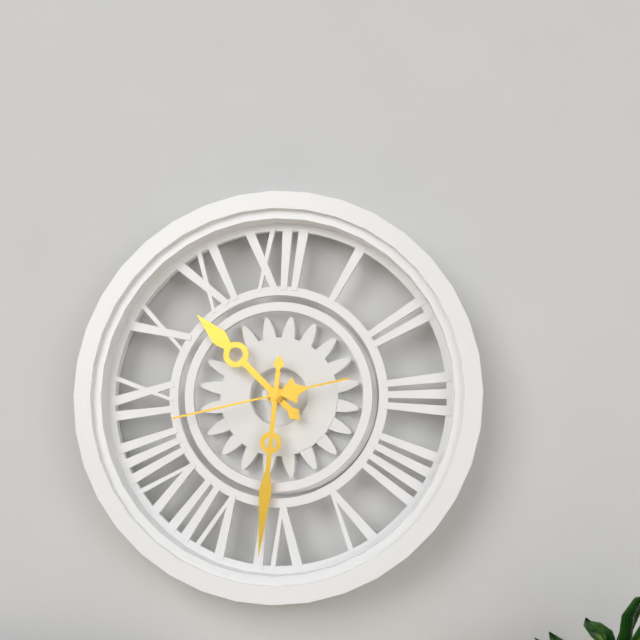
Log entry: 10h31m43s
